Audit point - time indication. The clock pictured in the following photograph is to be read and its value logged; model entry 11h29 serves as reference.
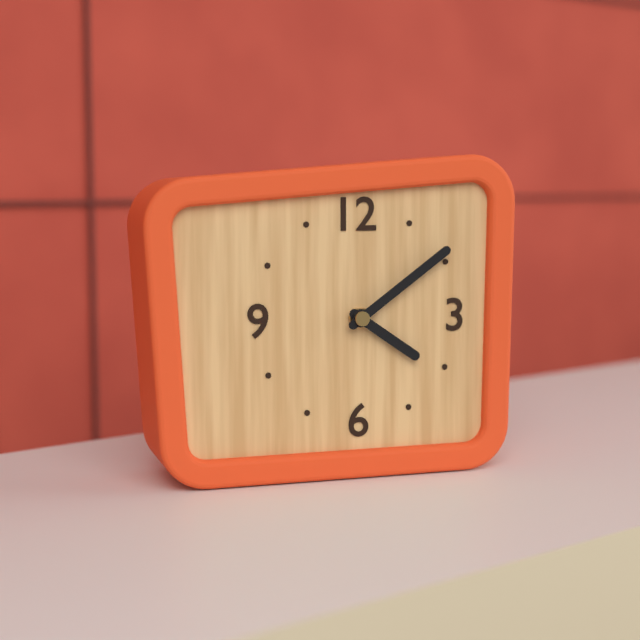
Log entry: 4h09
